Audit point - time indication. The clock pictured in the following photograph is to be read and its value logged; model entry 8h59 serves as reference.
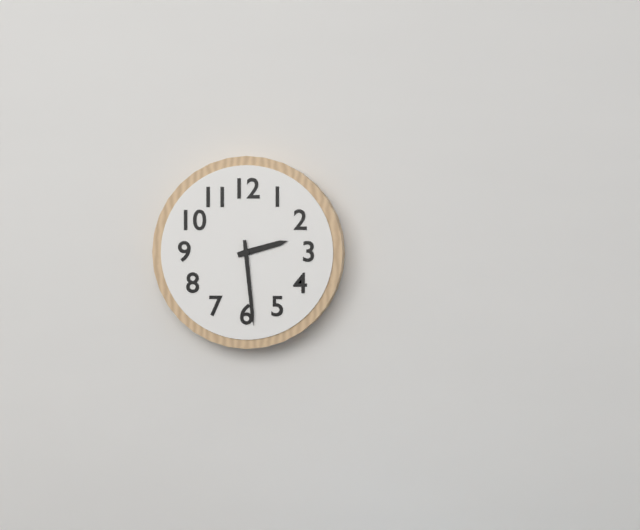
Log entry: 2h29
